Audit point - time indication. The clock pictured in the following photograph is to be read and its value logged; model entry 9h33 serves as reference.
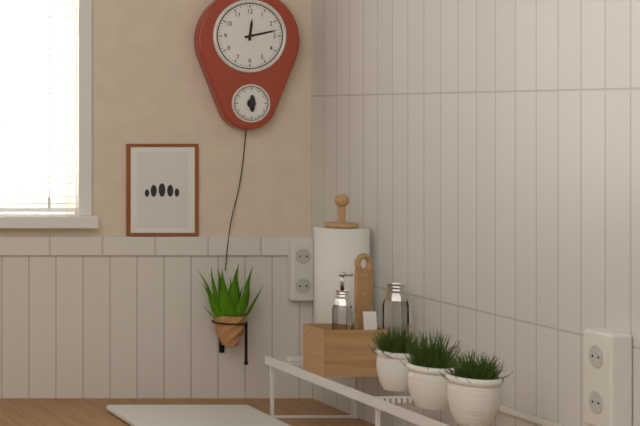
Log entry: 12h13
